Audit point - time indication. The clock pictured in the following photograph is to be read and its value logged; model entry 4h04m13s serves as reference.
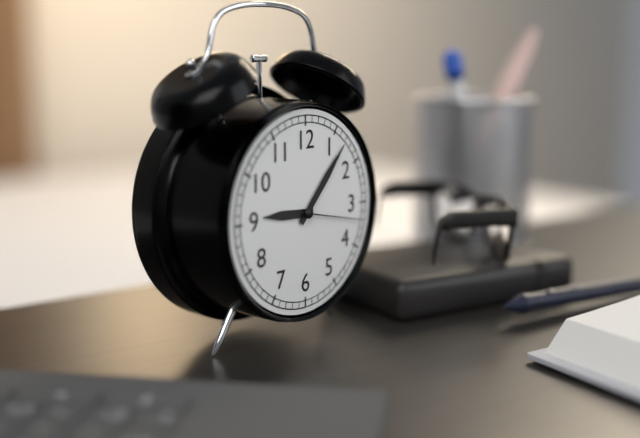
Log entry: 9h07m17s
